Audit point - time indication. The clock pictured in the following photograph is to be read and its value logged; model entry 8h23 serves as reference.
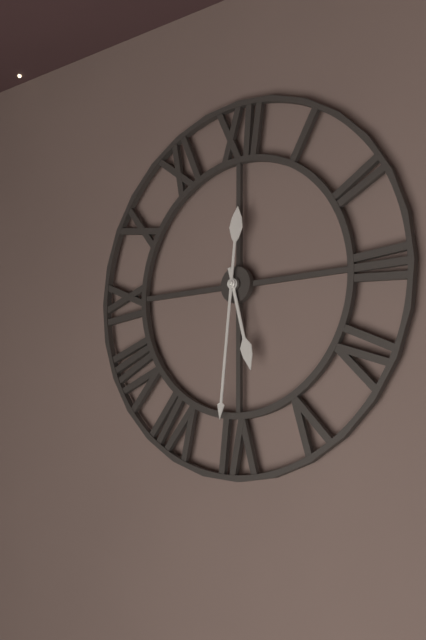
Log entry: 5h31
